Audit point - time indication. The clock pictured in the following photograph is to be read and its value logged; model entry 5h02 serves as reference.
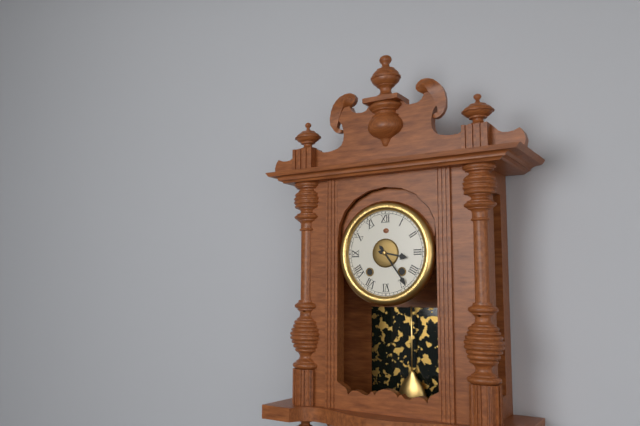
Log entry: 3h24
